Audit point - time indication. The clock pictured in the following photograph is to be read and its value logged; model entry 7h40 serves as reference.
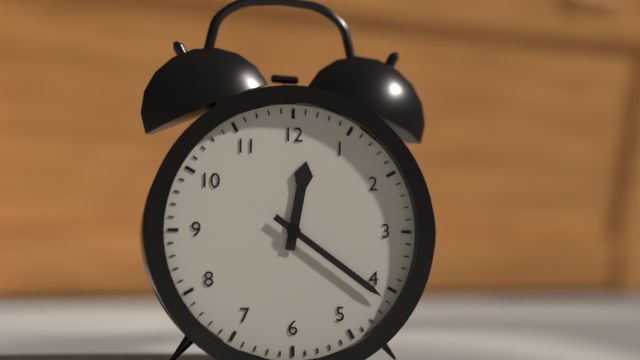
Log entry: 12h21
